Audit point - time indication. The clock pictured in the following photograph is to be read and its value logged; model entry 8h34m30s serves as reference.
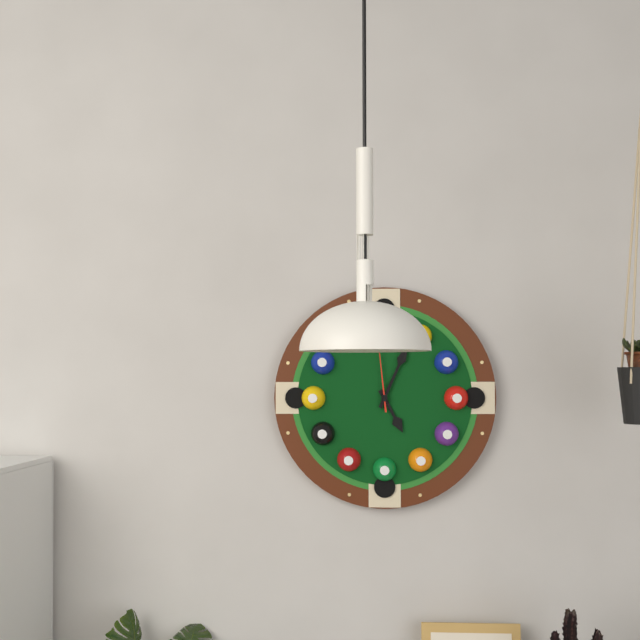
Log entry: 5h04m59s
